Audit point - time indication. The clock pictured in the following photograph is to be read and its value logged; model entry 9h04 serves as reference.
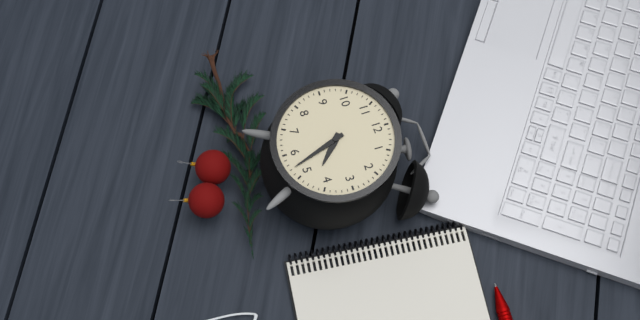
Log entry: 4h27
